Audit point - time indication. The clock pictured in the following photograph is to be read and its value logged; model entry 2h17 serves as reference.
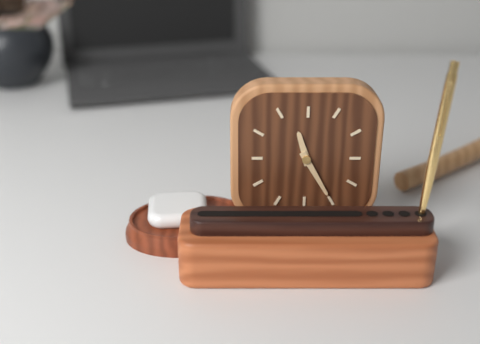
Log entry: 11h25
